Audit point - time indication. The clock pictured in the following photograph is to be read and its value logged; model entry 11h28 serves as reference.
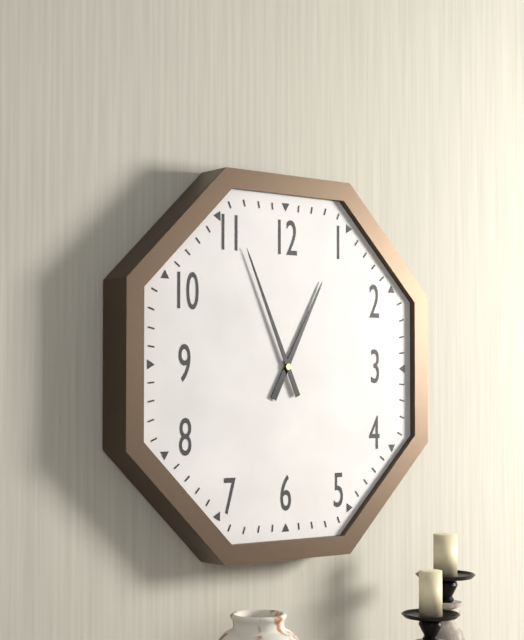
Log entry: 12h56
